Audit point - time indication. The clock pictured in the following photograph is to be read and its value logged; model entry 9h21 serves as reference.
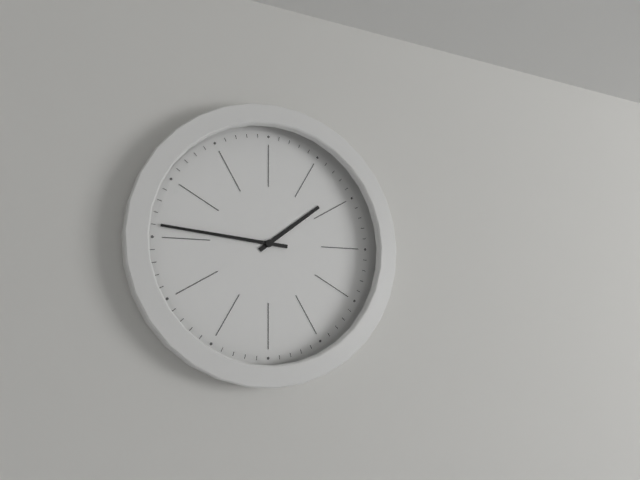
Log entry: 1h46
